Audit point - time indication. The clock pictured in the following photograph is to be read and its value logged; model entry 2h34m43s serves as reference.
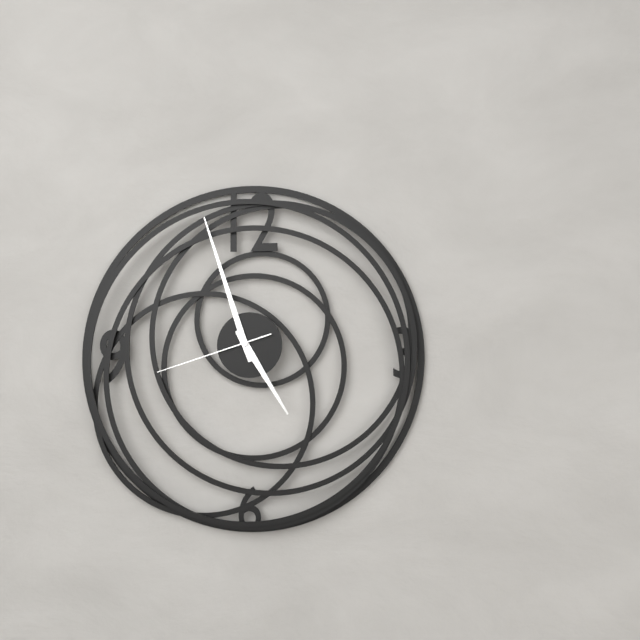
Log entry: 4h57m42s
